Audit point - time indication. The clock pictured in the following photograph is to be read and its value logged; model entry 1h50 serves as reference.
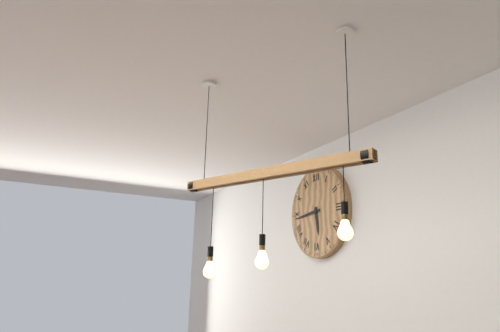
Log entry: 5h44
